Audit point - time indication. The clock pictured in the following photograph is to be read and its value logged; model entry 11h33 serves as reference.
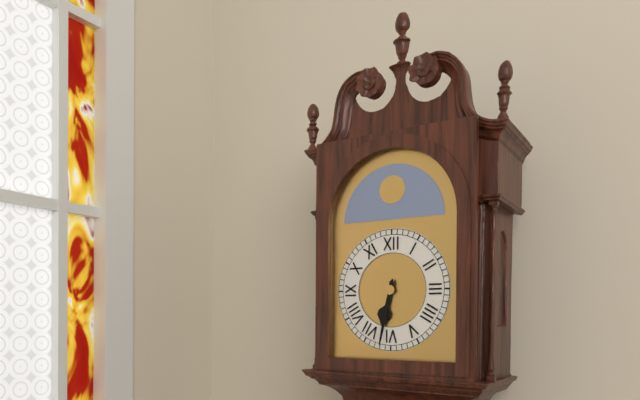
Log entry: 6h32
